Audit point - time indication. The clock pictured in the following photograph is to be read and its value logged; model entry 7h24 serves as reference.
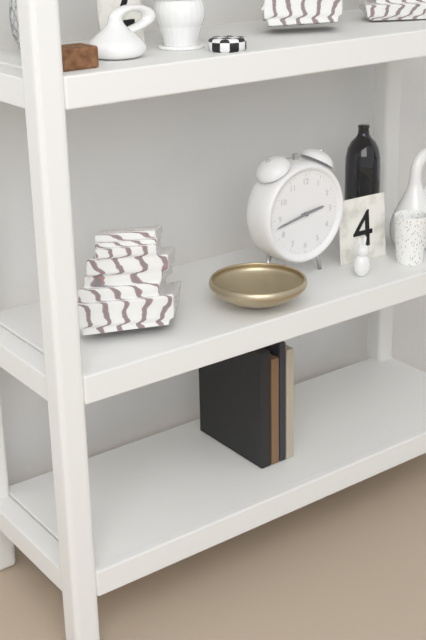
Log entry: 2h43
